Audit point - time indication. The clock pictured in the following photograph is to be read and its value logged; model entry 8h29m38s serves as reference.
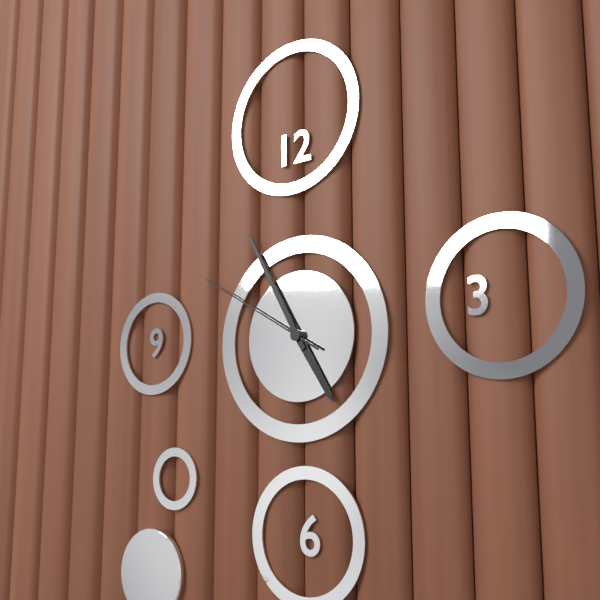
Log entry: 4h55m50s
